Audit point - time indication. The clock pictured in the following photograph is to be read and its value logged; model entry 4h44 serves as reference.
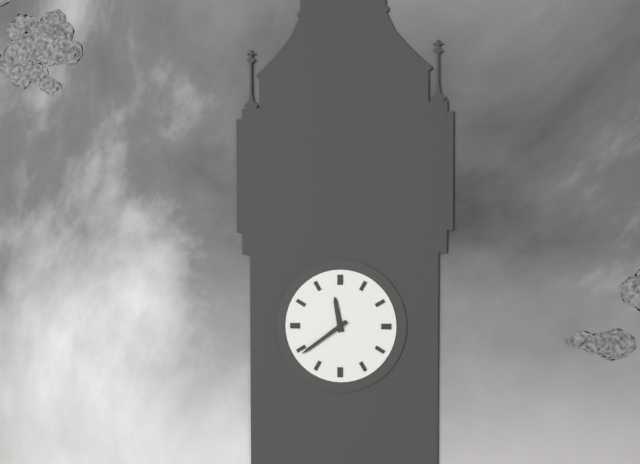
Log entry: 11h39
